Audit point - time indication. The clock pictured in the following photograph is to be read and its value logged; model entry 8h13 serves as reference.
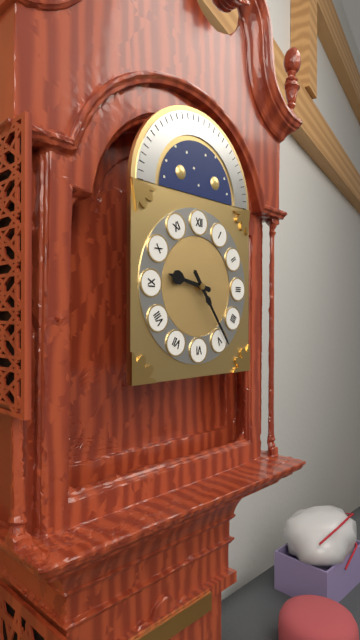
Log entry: 9h24
